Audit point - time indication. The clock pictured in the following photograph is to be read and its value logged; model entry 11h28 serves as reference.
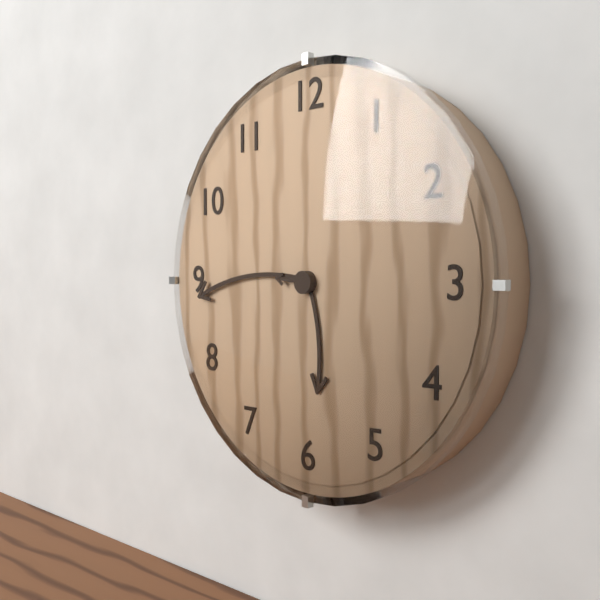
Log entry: 5h44
